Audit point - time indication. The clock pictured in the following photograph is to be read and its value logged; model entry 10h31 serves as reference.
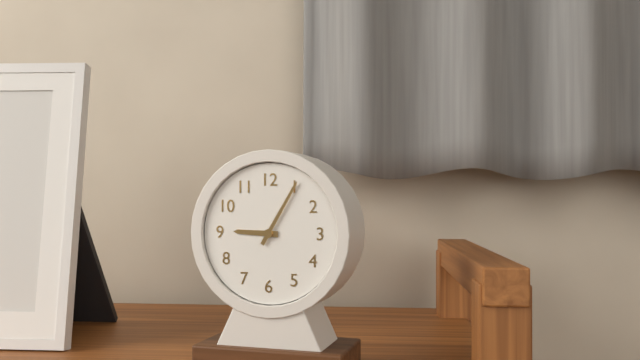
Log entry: 9h05
